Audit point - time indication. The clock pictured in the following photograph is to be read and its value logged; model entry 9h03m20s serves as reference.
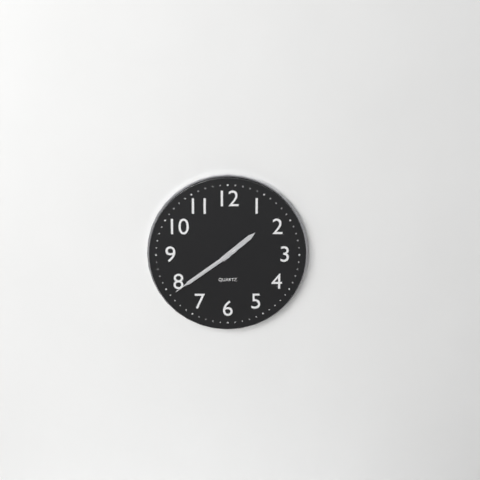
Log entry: 1h39m39s
